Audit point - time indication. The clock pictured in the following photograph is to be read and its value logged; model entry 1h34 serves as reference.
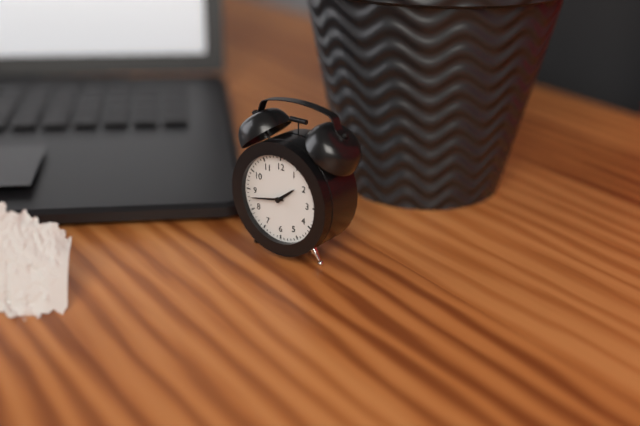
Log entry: 1h43
